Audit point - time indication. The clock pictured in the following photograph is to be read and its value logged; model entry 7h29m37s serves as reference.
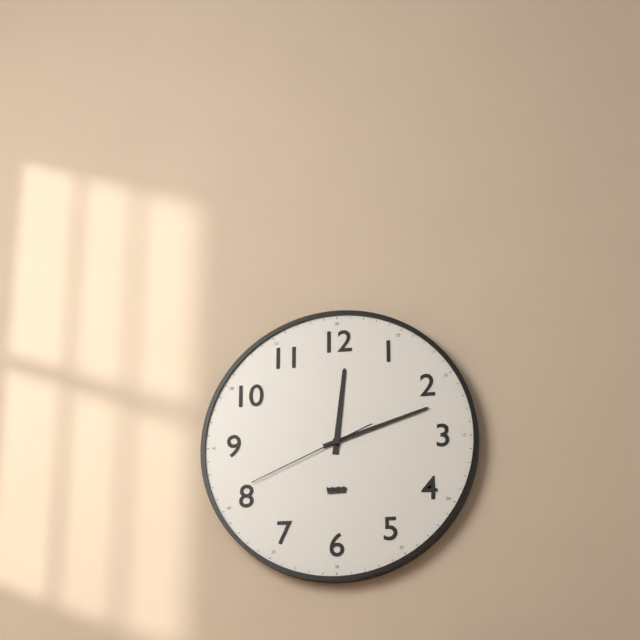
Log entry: 12h12m41s
